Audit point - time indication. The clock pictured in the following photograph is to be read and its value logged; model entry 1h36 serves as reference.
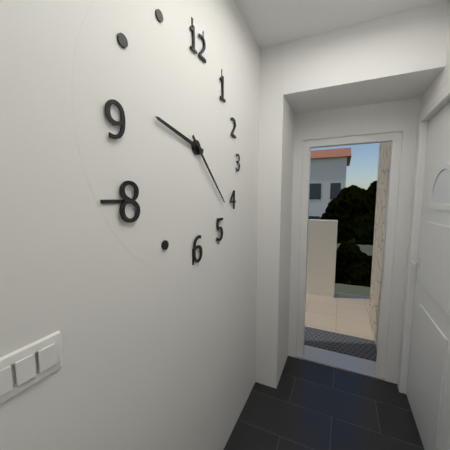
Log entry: 9h22
